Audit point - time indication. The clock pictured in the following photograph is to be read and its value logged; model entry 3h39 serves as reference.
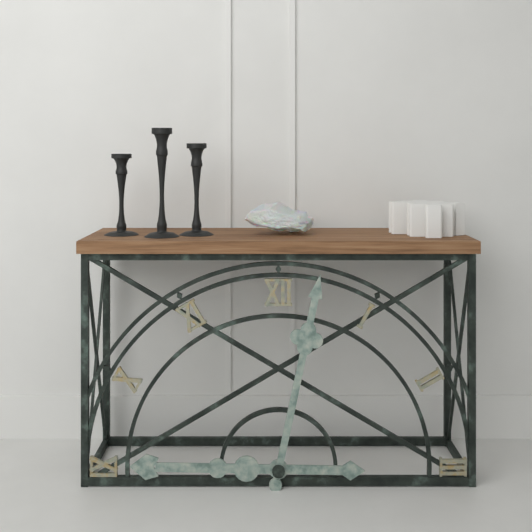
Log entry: 9h02
